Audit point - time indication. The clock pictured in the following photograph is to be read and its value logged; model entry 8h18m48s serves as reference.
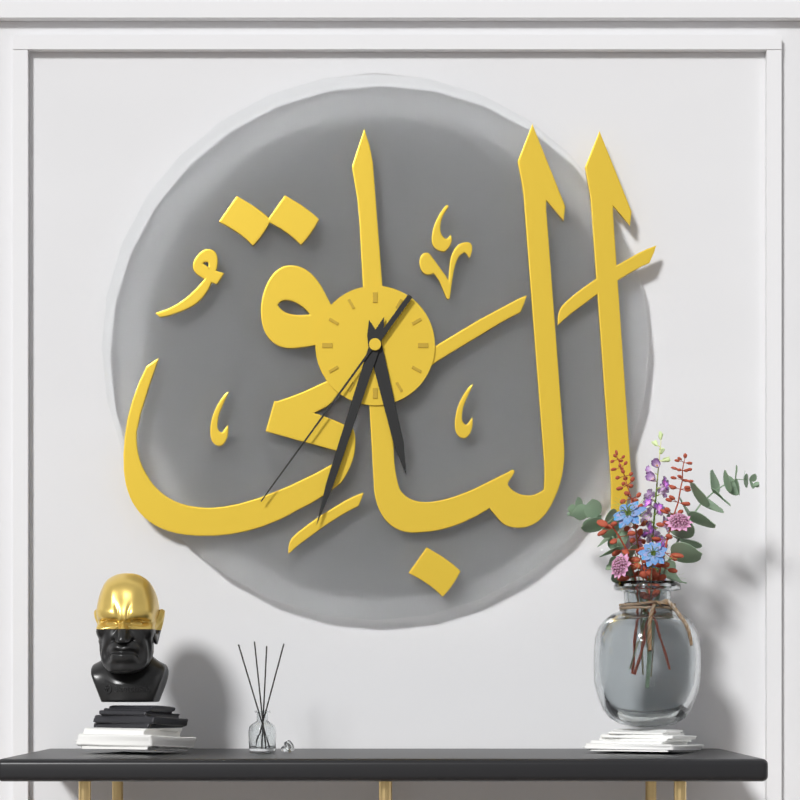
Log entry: 5h33m36s
